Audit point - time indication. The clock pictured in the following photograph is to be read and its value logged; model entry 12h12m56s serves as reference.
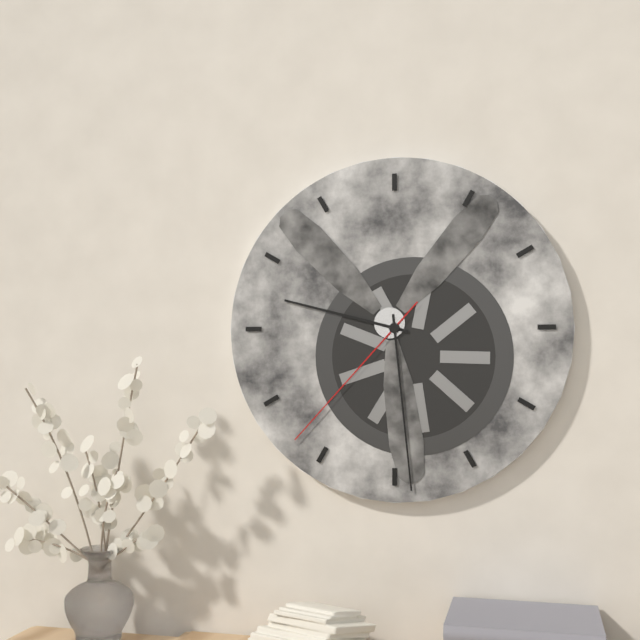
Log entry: 9h29m37s
